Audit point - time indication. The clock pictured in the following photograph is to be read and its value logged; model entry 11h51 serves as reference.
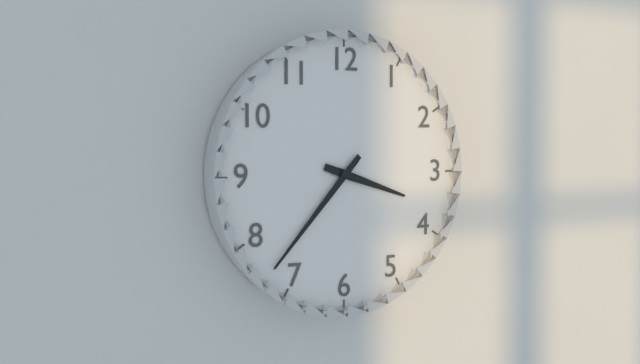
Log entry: 3h37
